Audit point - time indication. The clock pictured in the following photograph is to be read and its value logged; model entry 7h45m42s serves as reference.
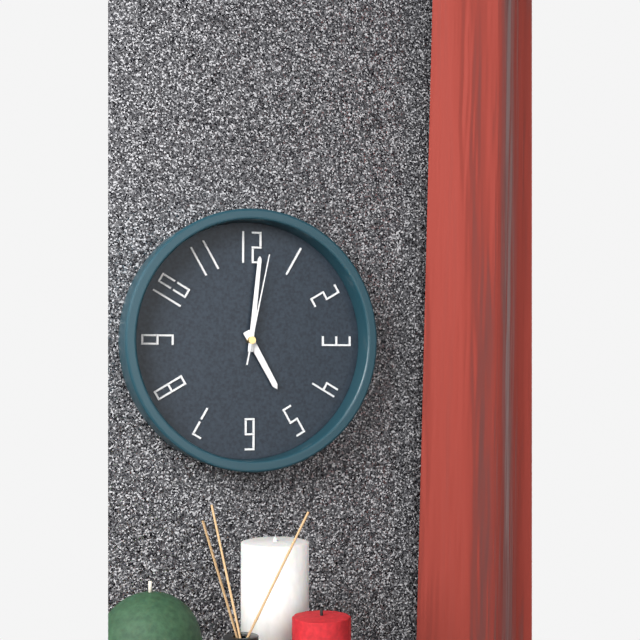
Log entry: 5h01m02s
